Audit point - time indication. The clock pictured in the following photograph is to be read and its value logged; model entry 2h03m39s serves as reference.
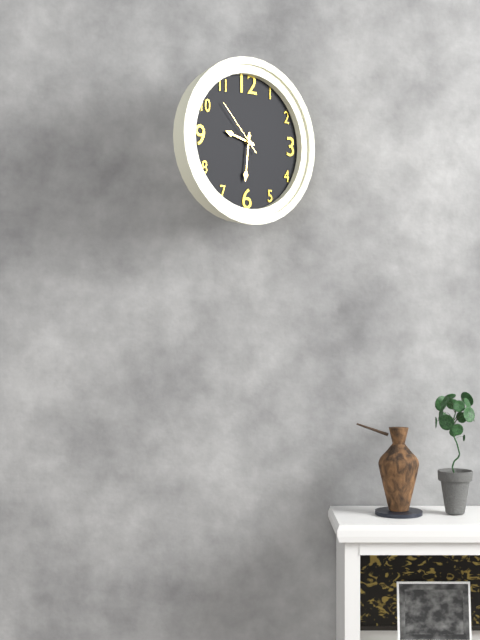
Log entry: 9h31m53s
